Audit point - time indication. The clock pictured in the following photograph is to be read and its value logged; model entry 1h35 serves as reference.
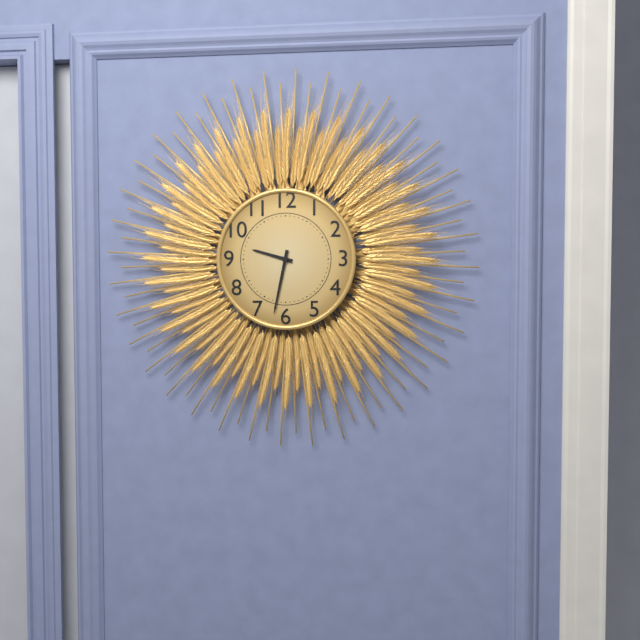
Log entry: 9h32
